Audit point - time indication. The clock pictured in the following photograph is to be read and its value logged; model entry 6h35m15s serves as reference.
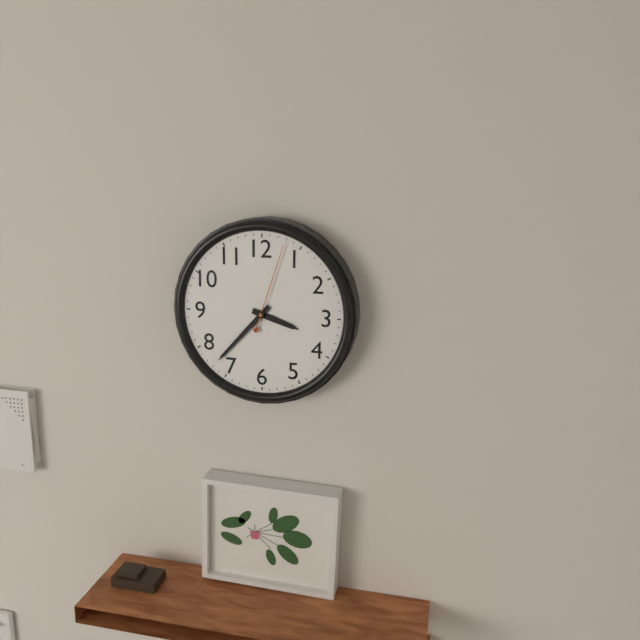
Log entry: 3h37m03s
